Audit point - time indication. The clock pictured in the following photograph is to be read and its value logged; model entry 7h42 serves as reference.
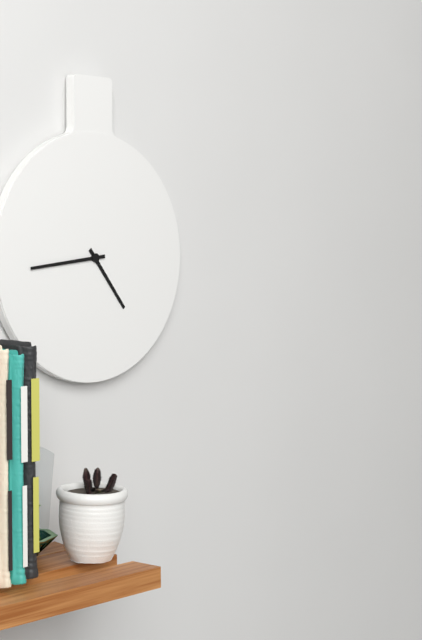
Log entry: 4h44
